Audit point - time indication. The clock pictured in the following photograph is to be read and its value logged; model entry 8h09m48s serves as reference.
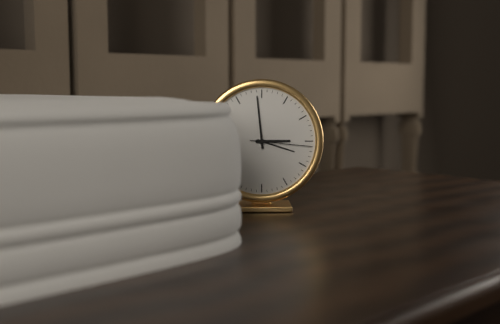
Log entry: 2h59m16s
